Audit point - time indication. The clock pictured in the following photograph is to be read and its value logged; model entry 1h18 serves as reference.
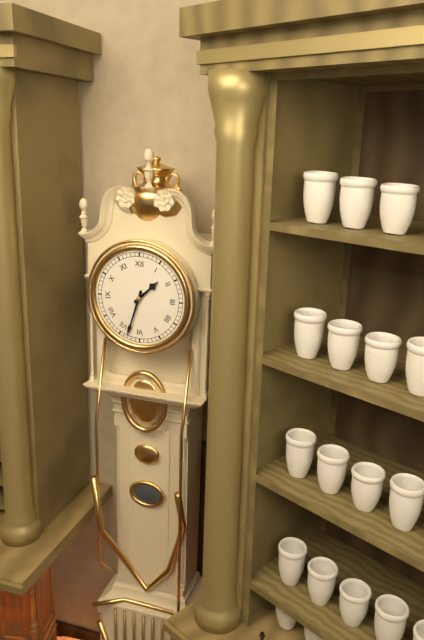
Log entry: 1h33
